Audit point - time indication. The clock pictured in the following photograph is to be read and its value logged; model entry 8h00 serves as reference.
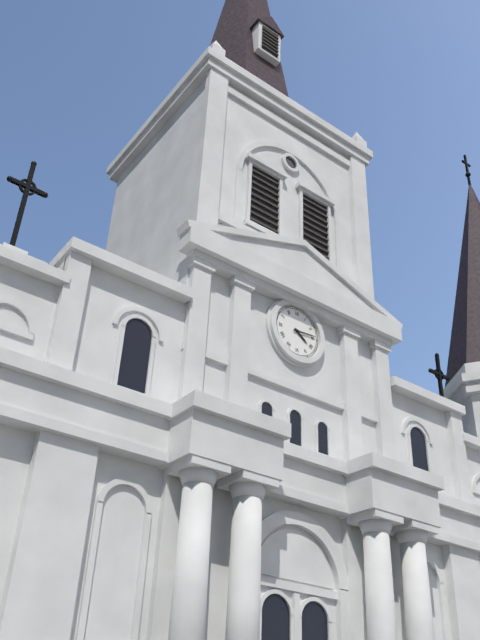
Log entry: 4h14
